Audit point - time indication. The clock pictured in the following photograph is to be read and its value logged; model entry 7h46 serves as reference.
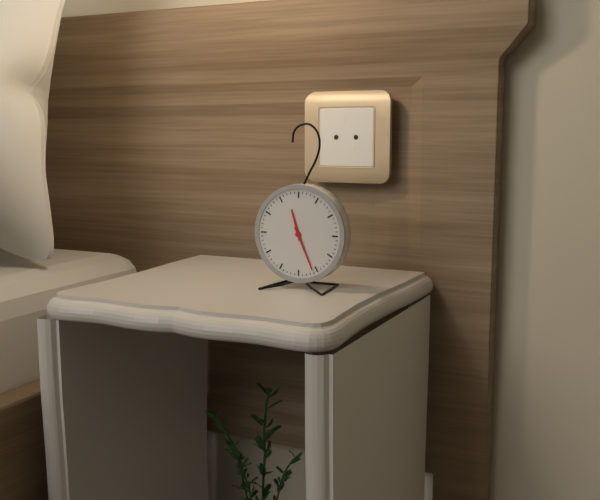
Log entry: 11h26
